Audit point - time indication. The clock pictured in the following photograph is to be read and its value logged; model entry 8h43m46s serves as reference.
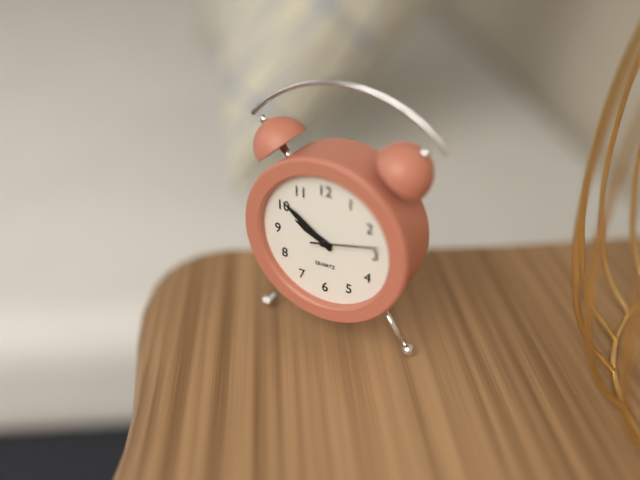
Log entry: 9h51m13s
